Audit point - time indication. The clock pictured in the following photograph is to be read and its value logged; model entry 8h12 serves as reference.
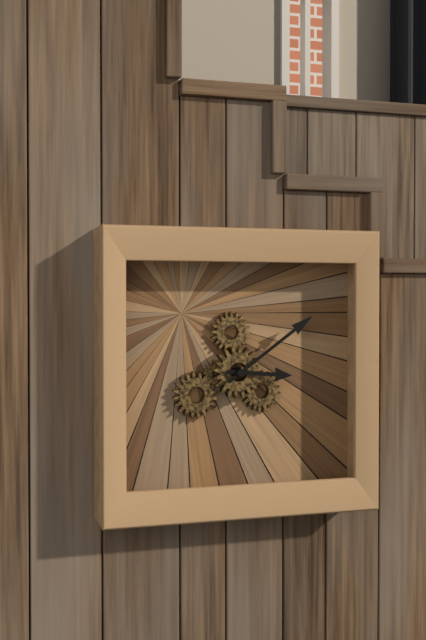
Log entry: 3h09
